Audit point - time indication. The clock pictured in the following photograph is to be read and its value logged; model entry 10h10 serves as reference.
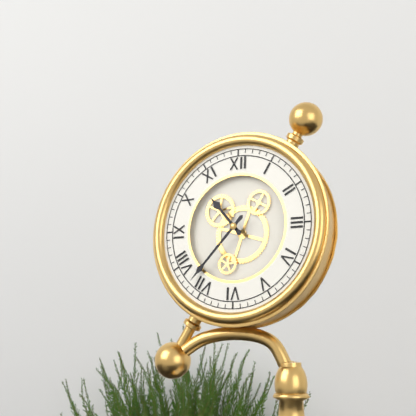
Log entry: 10h37
